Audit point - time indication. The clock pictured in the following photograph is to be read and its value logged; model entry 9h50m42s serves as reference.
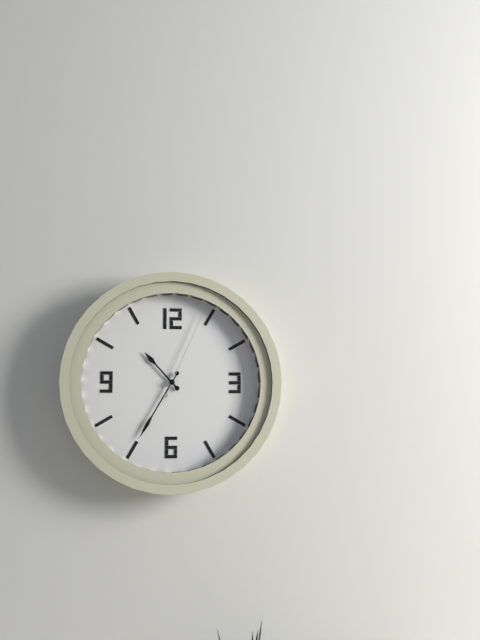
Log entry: 10h35m04s
